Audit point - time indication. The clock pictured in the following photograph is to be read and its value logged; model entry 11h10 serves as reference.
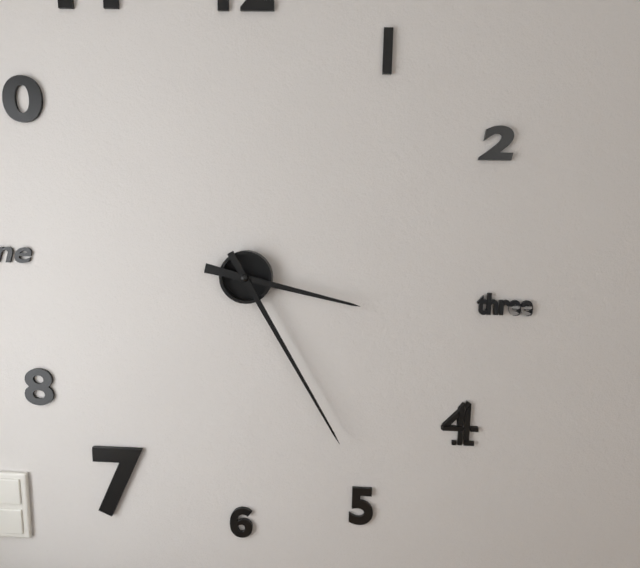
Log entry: 3h25
